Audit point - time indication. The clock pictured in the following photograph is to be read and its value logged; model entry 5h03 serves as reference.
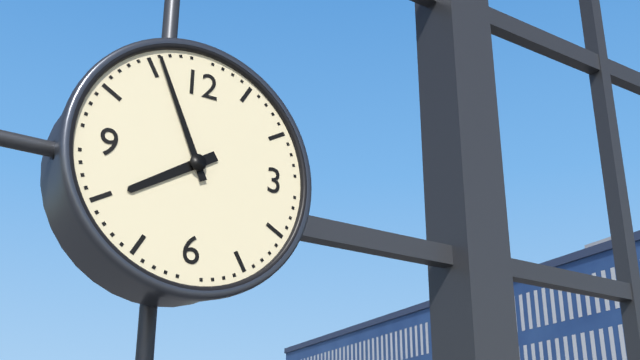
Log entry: 7h56
